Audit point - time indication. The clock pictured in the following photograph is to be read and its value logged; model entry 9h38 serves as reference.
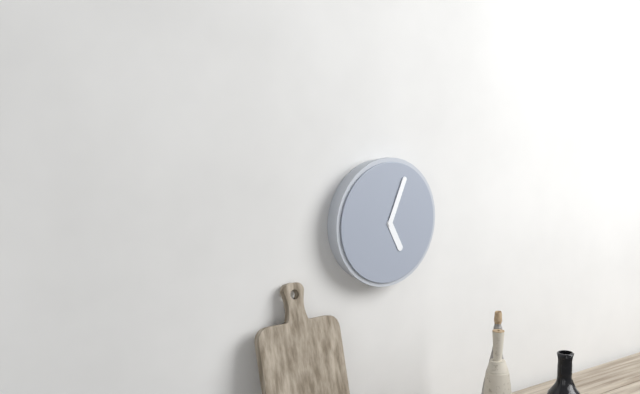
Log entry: 5h04
